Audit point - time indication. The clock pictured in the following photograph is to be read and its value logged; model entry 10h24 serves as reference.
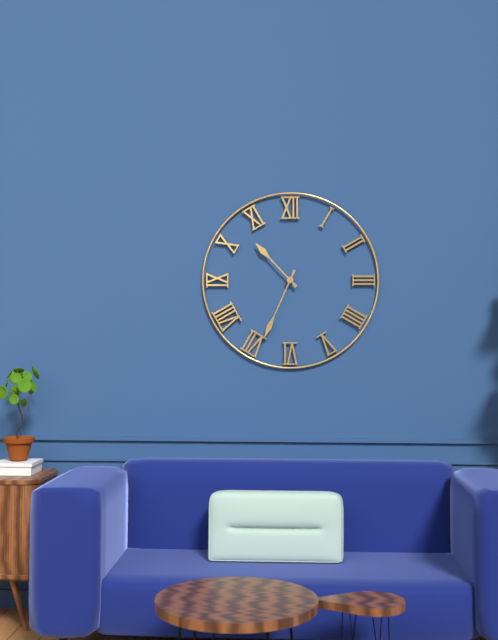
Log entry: 10h34
